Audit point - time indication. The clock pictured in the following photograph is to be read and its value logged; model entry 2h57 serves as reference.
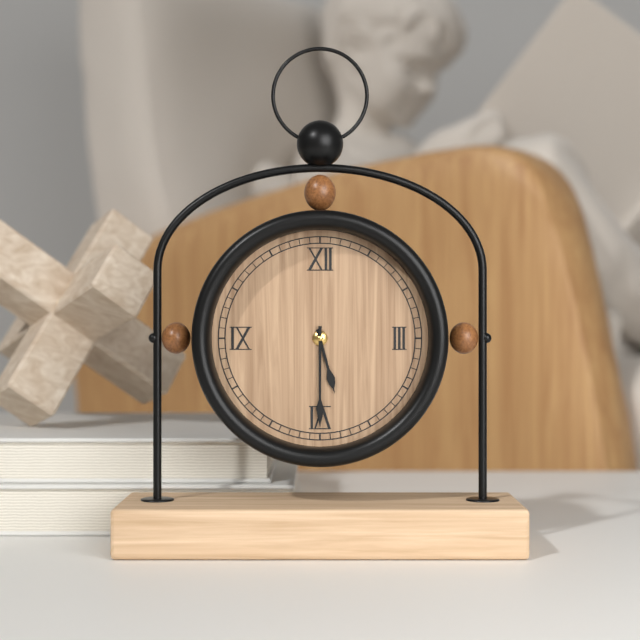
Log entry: 5h30
